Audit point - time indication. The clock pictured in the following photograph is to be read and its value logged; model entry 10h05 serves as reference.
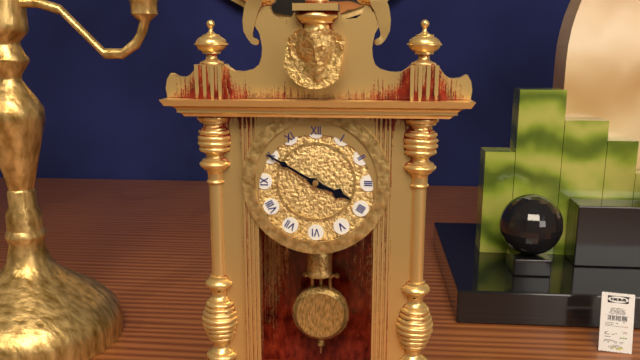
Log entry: 3h50
